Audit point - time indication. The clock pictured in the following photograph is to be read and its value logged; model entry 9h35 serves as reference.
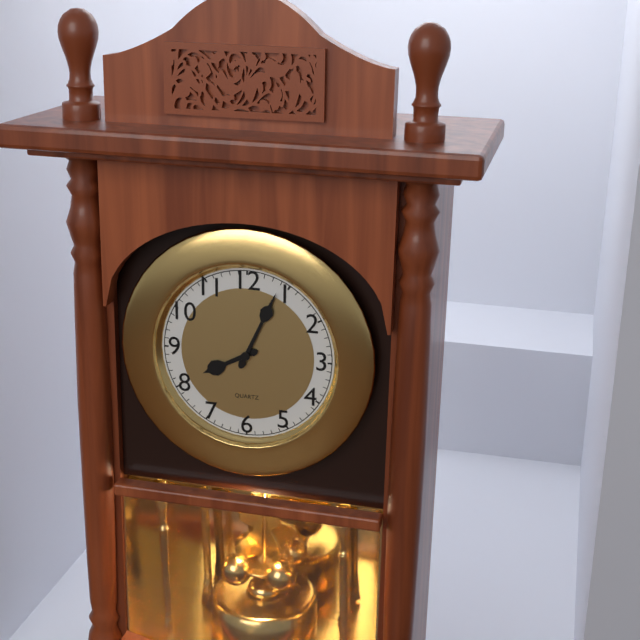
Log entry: 8h04
